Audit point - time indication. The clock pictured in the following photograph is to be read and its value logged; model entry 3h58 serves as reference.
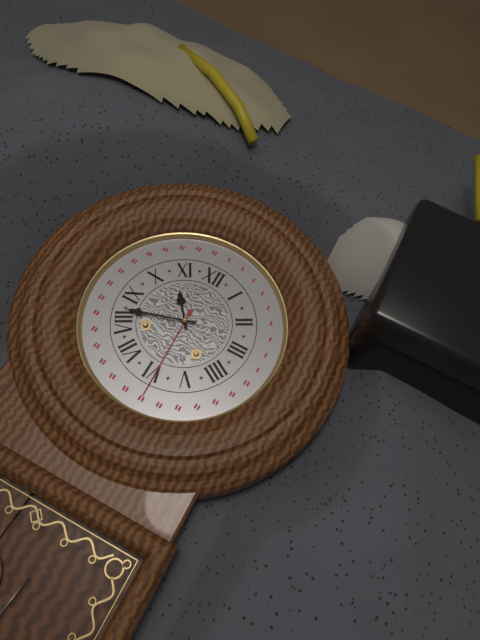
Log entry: 10h42
